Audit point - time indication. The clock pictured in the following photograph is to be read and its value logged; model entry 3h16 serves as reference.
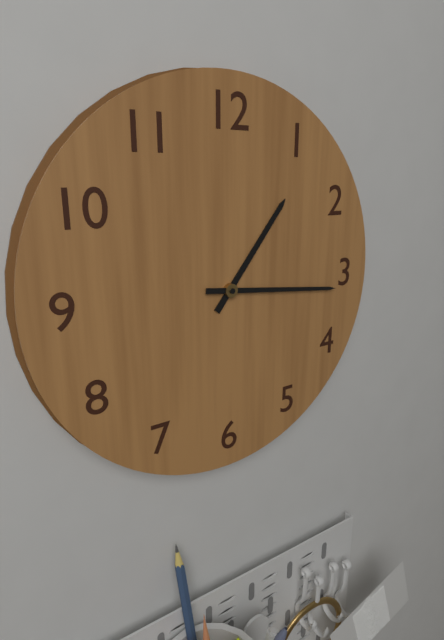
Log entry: 1h16
